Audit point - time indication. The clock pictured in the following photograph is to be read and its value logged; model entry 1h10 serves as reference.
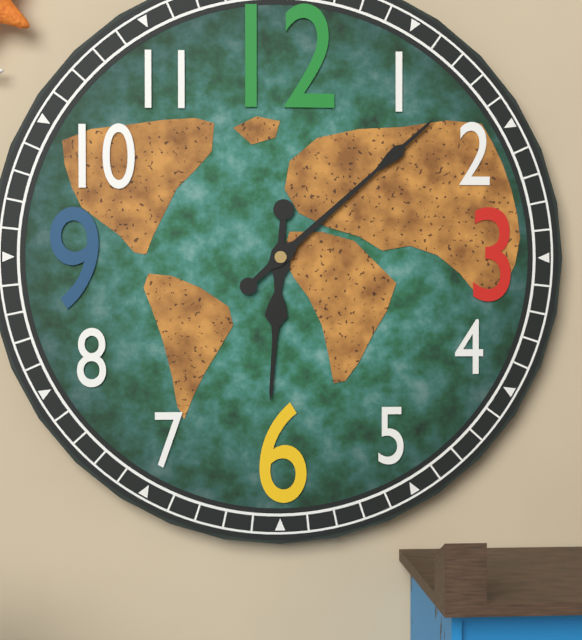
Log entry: 6h08
